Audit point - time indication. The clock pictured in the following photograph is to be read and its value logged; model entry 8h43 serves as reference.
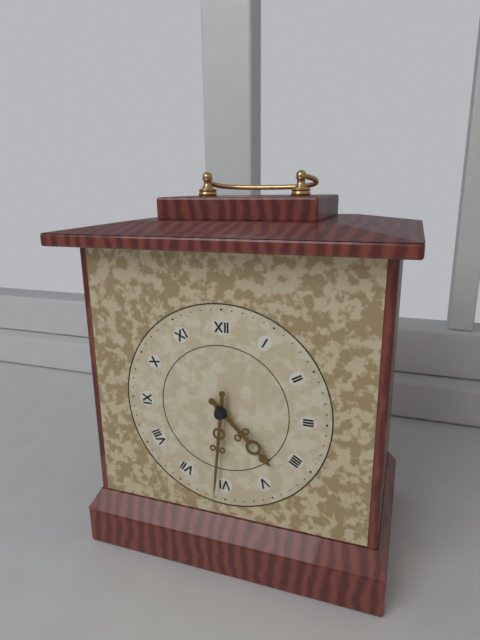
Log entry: 4h31
